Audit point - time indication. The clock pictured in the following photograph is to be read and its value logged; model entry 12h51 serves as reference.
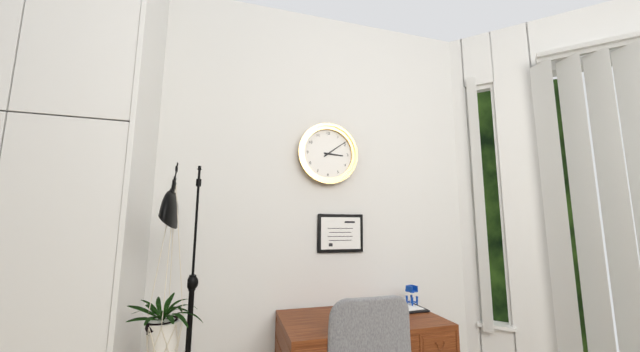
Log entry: 3h09
